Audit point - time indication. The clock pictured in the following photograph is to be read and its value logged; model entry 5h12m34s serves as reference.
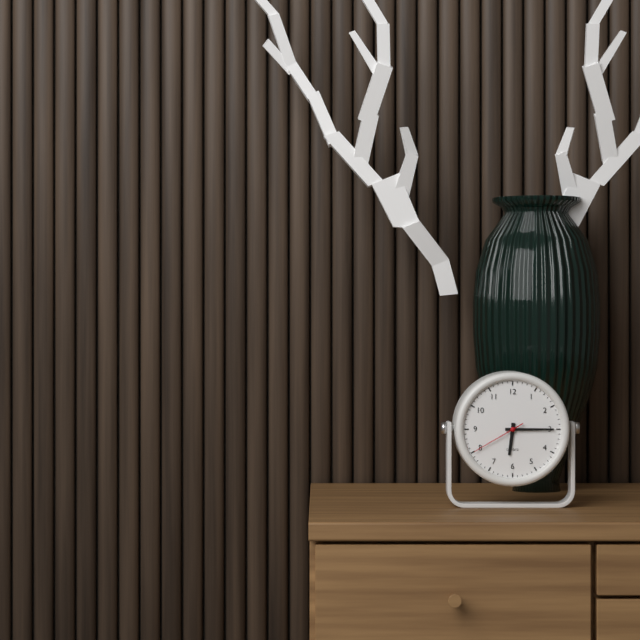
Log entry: 6h15m40s
